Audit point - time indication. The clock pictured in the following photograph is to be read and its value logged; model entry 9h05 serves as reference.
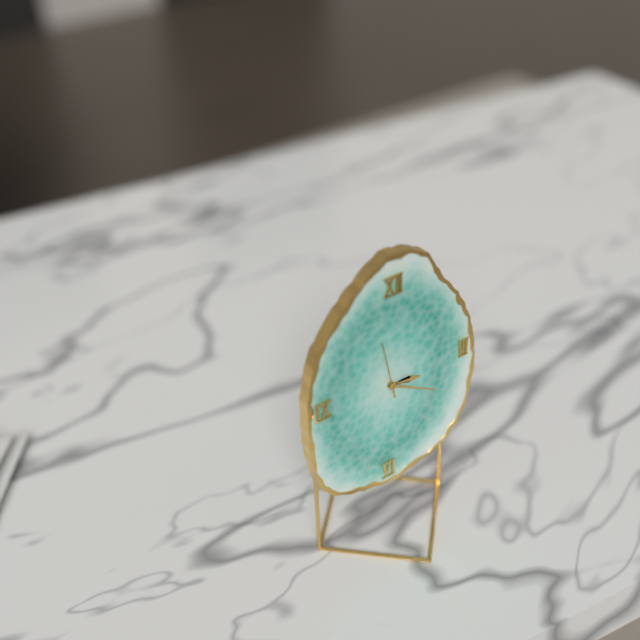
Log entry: 3h20
